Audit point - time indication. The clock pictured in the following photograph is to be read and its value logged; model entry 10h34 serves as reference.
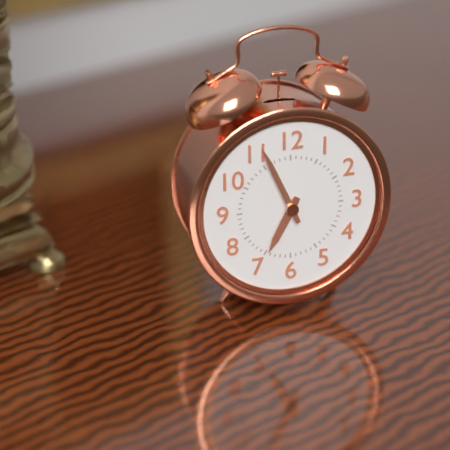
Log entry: 6h56
